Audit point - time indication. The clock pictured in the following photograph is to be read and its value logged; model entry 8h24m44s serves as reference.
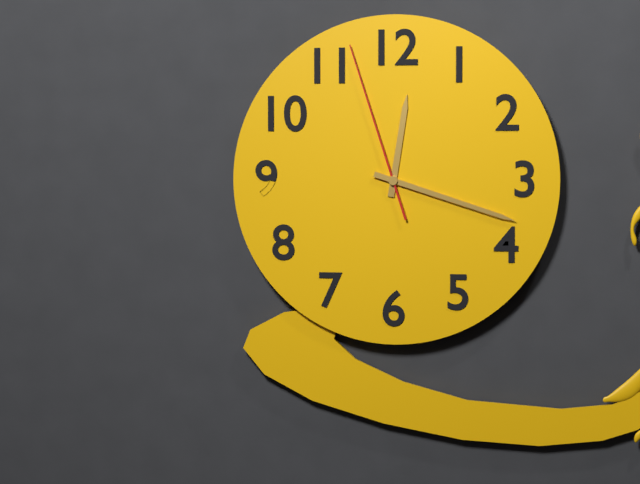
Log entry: 12h18m57s
